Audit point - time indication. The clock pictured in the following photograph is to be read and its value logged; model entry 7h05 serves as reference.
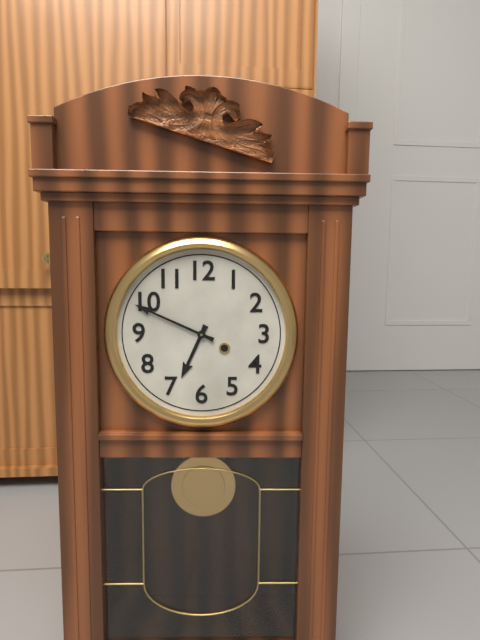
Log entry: 6h49
